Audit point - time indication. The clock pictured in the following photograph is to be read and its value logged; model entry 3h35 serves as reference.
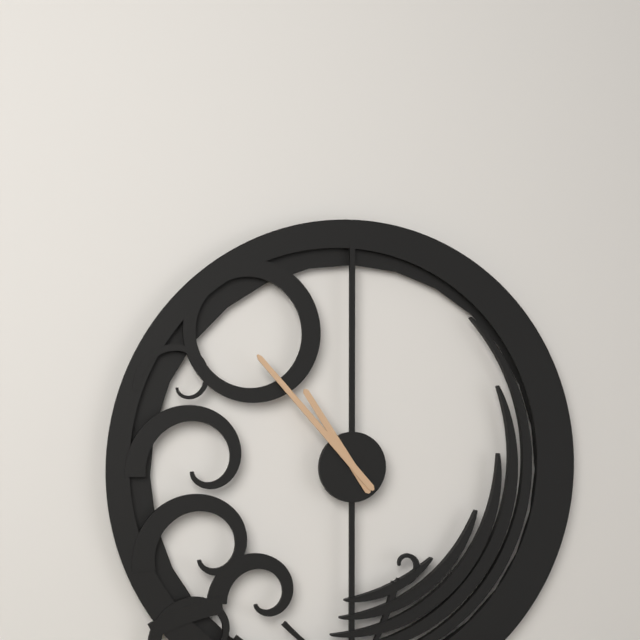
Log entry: 10h53
